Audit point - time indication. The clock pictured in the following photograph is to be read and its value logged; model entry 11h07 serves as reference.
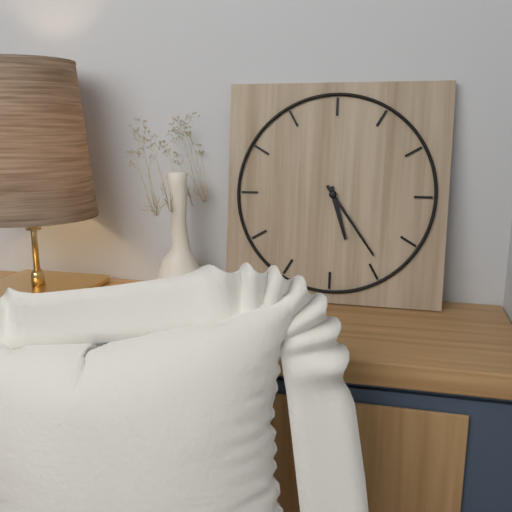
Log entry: 5h24
